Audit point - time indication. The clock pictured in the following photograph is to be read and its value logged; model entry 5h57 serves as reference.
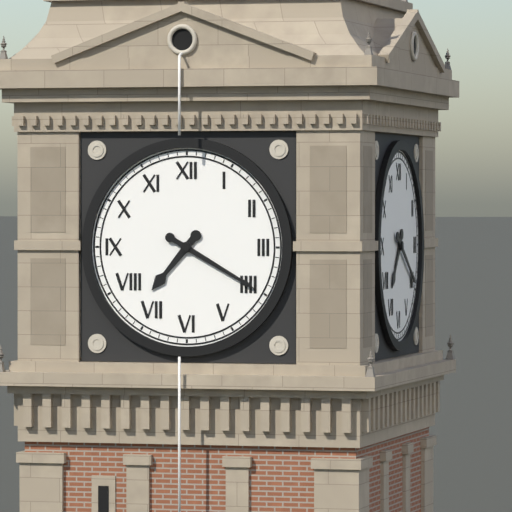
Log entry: 7h20
